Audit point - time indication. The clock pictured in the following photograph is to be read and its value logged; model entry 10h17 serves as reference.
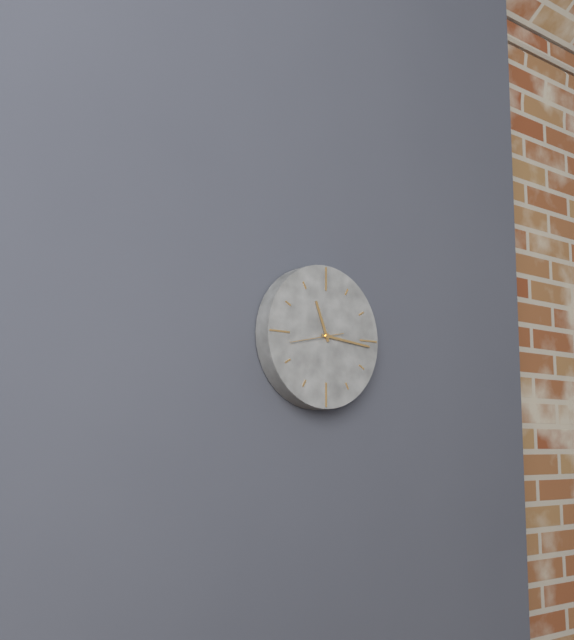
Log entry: 11h16
